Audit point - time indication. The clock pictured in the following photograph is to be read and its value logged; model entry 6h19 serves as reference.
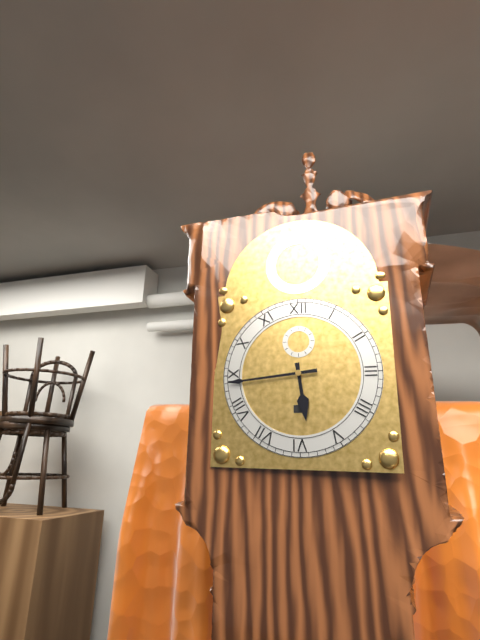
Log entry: 5h44
